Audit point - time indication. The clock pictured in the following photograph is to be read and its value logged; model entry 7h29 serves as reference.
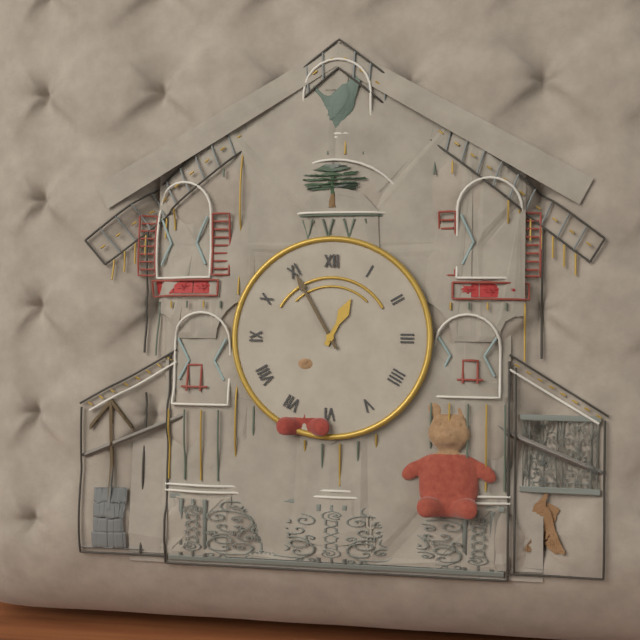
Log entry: 12h55
